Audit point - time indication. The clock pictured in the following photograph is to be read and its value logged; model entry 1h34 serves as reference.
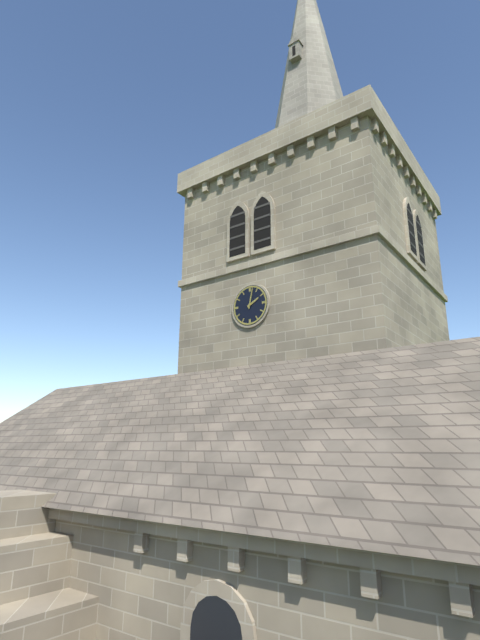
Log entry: 2h02
